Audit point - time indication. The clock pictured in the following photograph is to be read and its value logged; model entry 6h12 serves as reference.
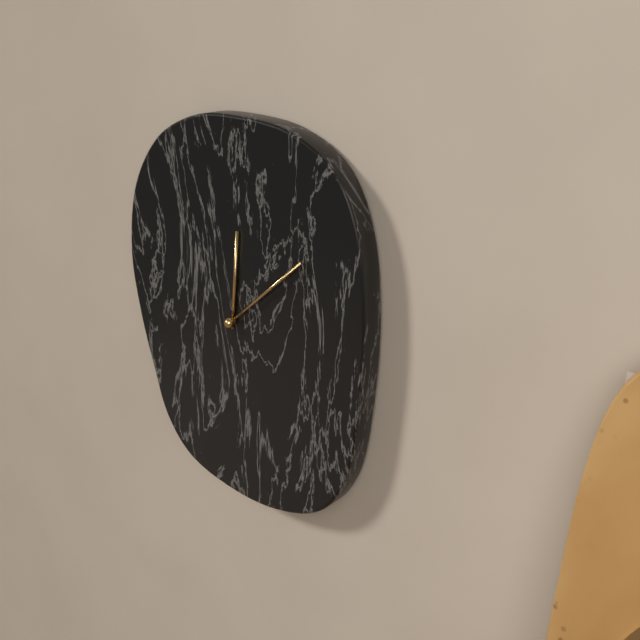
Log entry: 12h08
